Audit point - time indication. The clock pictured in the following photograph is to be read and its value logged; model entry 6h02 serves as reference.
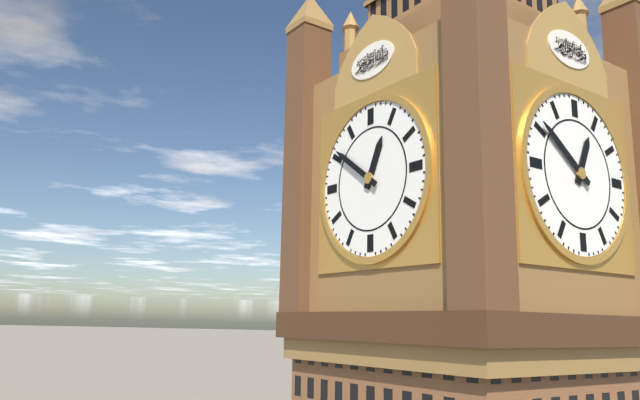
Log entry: 12h51
